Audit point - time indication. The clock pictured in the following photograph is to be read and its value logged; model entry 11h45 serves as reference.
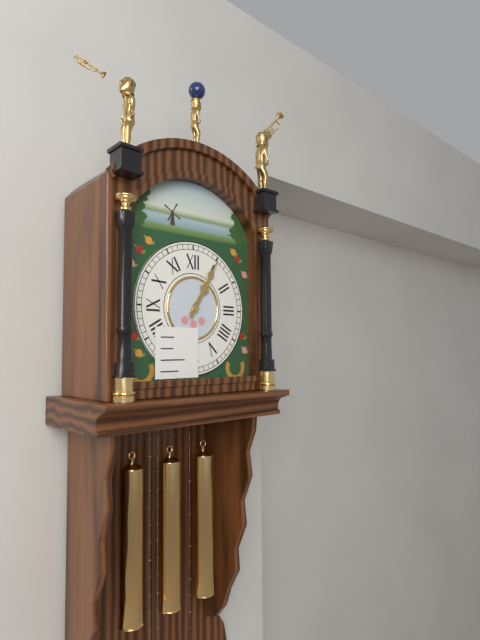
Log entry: 1h05
